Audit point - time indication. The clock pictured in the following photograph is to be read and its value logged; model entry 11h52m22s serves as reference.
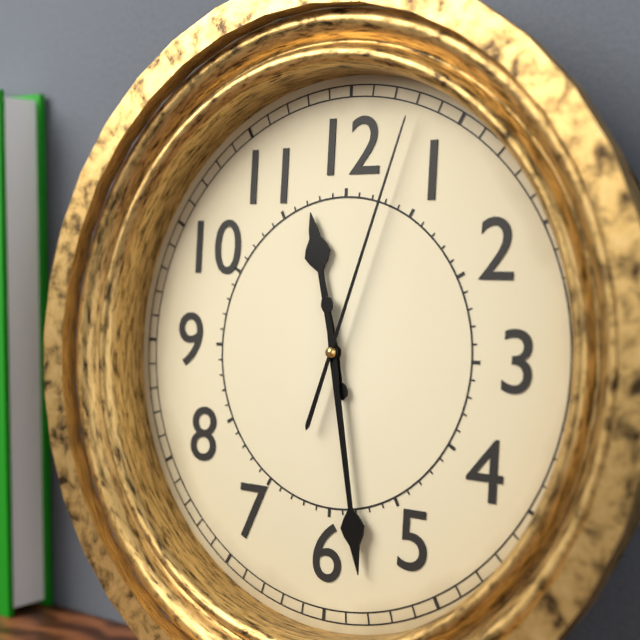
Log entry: 11h28m03s
